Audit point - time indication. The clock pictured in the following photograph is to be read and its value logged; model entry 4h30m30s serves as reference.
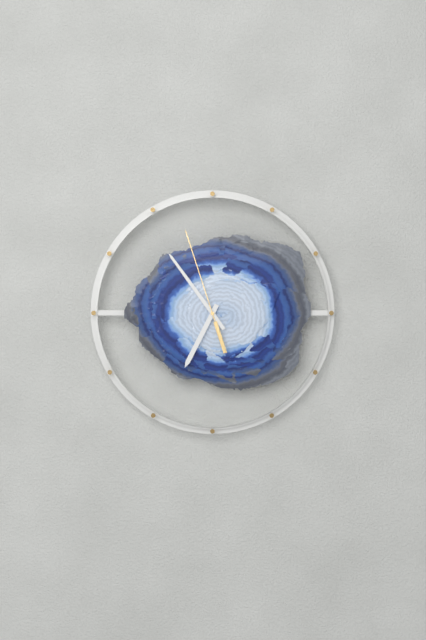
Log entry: 6h54m57s
